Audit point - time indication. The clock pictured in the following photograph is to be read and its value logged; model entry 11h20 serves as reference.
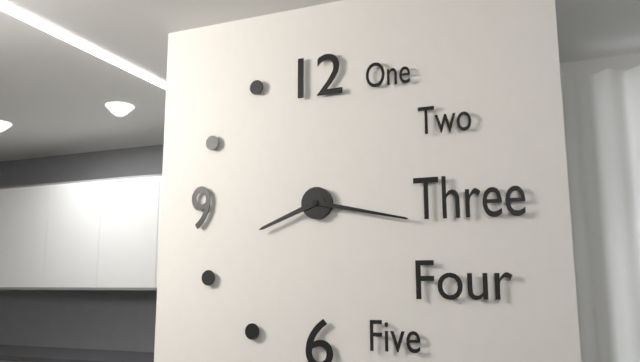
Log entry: 8h17
